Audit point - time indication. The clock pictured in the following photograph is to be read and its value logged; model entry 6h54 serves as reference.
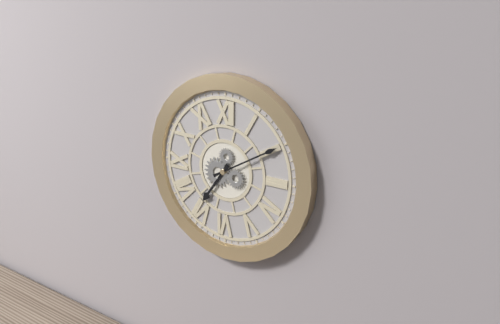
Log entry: 7h10
